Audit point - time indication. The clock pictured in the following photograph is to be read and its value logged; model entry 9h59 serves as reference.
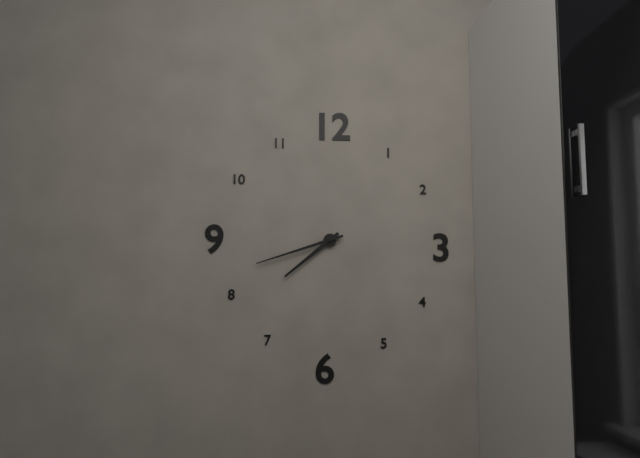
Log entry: 7h42
